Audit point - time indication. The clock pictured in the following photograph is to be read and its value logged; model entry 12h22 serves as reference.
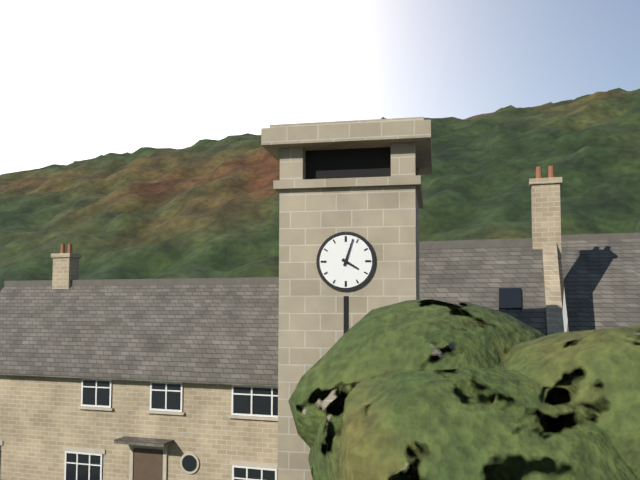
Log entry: 4h03
